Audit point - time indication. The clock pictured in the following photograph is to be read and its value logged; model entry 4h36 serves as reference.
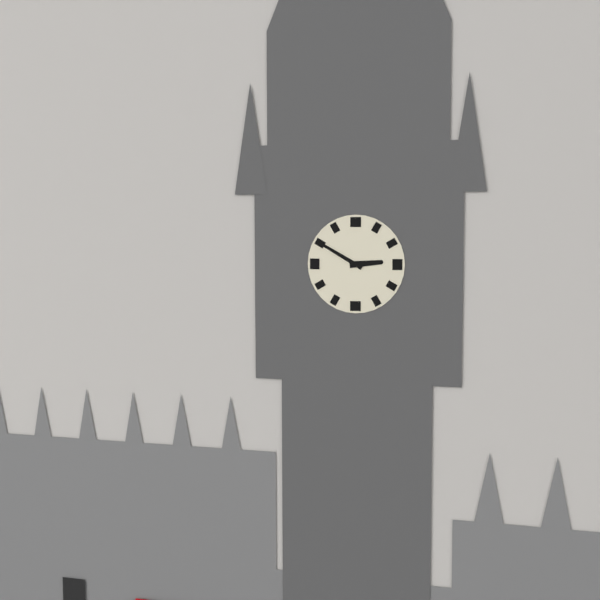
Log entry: 2h50
